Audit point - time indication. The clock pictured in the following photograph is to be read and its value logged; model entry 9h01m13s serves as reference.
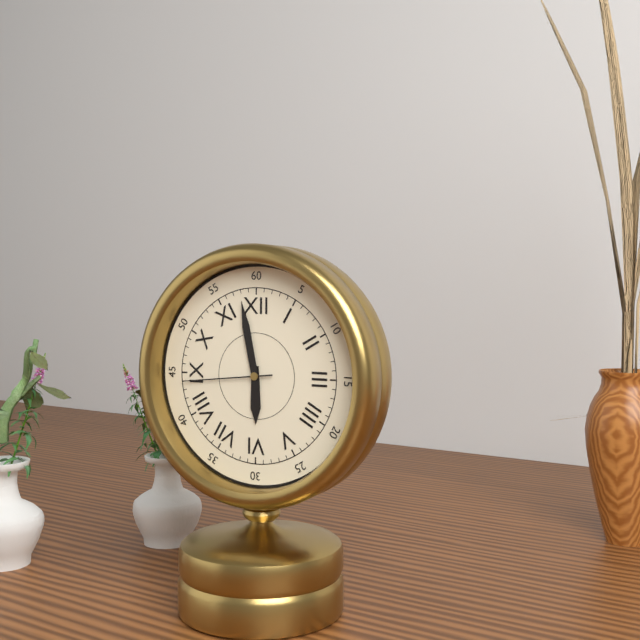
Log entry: 5h58m44s
